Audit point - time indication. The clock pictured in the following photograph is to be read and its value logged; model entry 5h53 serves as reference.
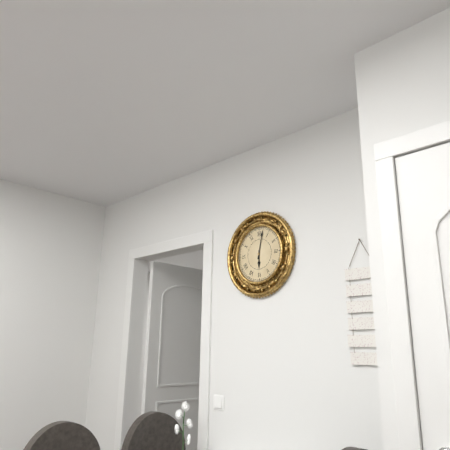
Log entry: 6h02
